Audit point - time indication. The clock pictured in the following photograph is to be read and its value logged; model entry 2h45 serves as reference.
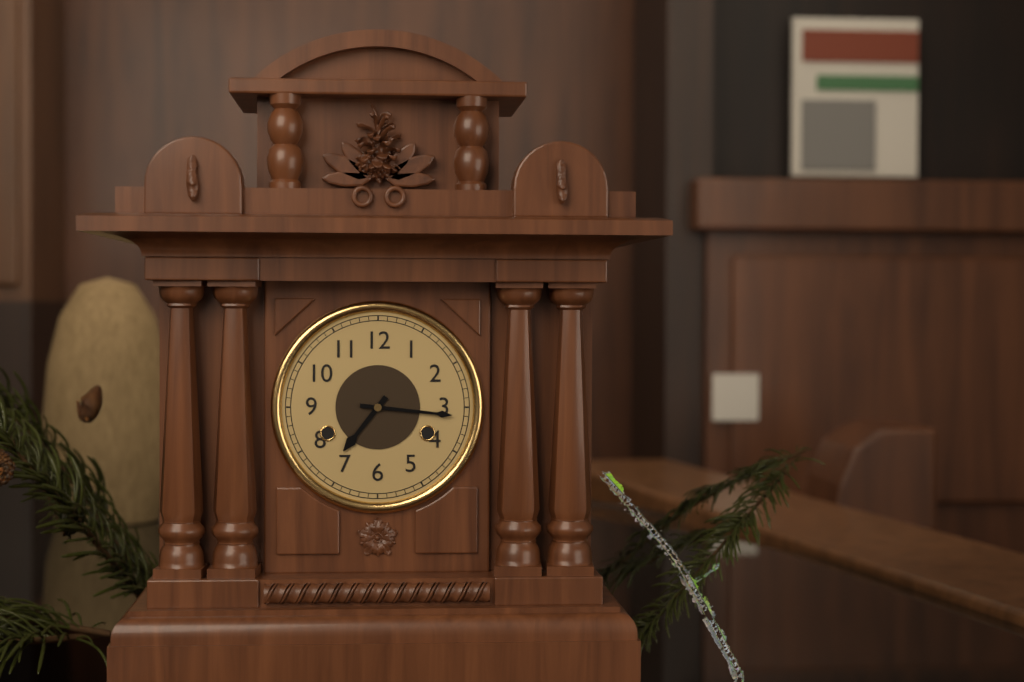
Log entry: 7h16
